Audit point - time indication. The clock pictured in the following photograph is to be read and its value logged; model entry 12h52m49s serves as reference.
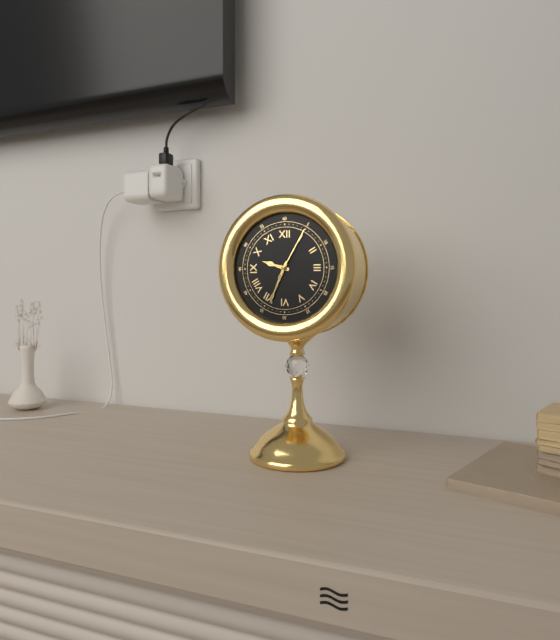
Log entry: 9h34m05s
